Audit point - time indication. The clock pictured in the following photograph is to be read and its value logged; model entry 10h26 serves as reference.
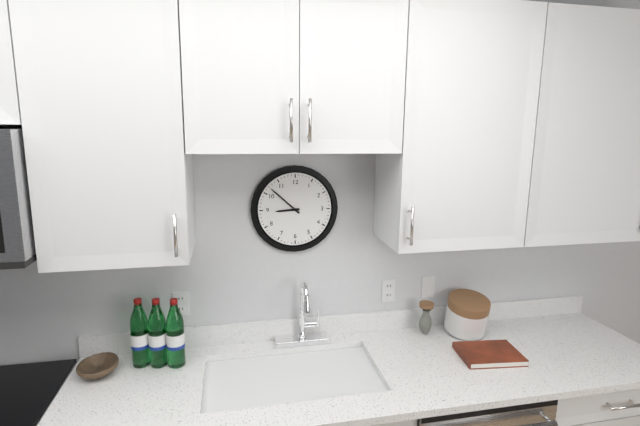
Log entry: 8h52
